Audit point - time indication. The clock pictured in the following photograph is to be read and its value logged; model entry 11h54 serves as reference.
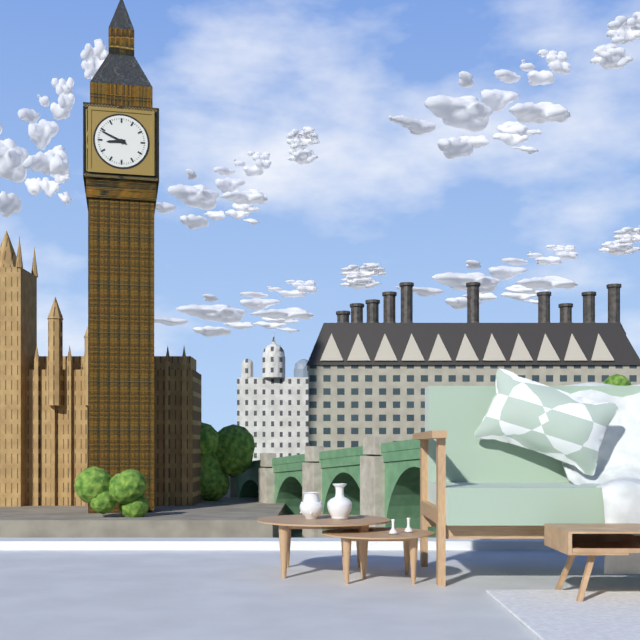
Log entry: 8h49
